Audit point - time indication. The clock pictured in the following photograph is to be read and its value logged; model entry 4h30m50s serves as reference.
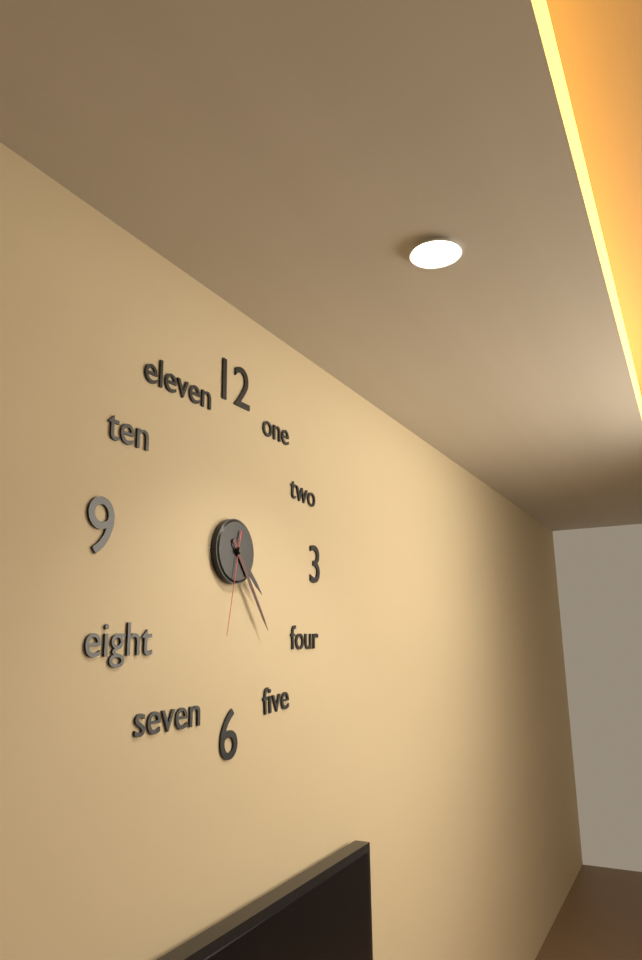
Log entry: 4h24m32s
